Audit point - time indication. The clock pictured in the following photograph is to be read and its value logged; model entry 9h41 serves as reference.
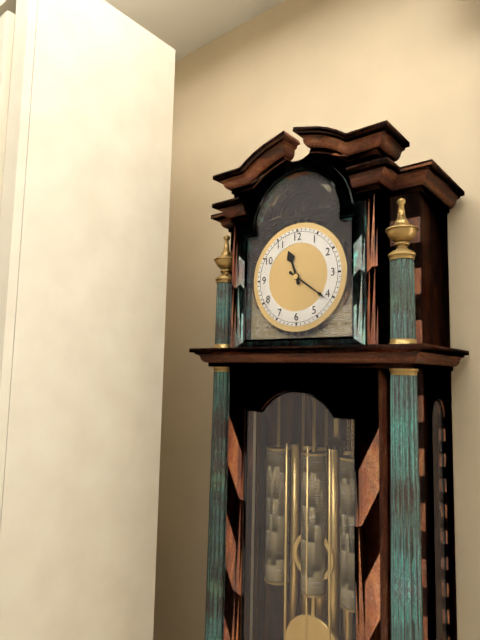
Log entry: 11h21
